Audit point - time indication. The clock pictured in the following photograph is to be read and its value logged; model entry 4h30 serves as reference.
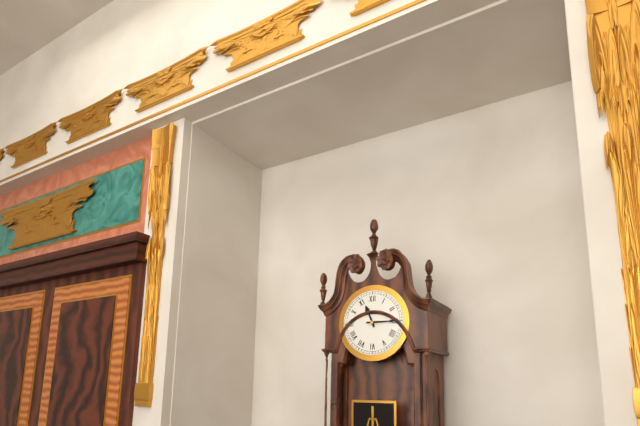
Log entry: 11h15
